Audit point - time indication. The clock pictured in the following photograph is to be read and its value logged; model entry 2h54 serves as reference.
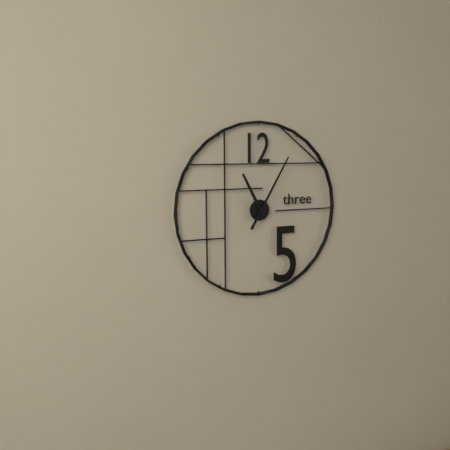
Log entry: 11h05
